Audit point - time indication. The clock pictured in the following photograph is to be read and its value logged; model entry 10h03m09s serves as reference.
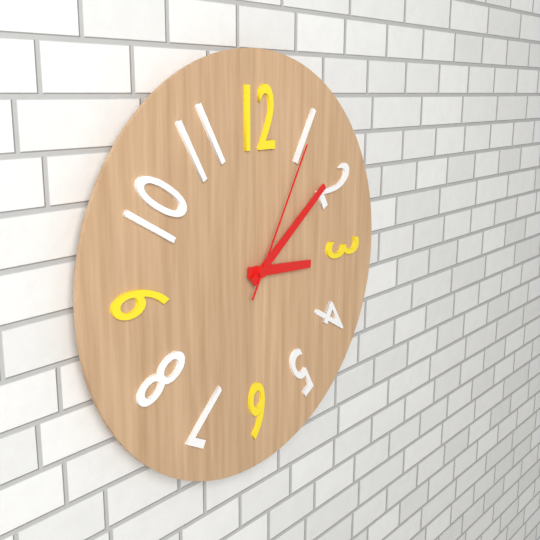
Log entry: 3h09m05s
